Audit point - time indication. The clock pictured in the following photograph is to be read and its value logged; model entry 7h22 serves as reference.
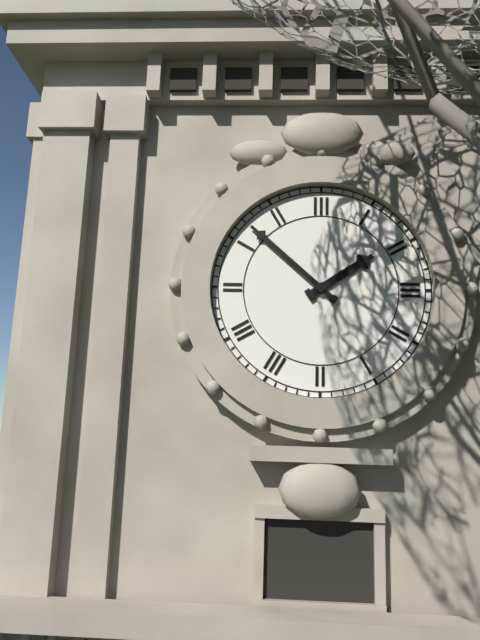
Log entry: 1h52
